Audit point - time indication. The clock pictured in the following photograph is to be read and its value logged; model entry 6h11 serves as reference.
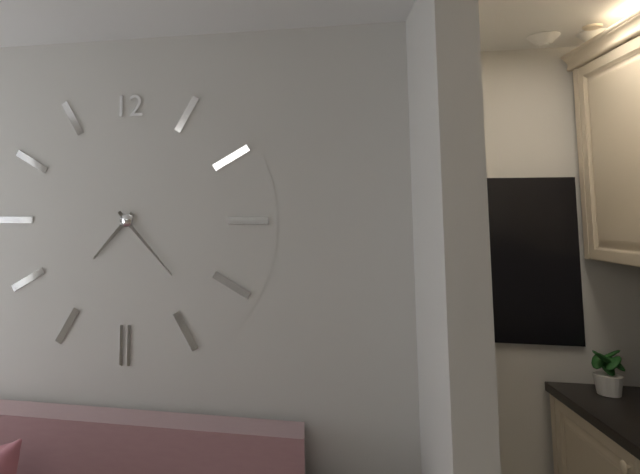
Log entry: 7h23
